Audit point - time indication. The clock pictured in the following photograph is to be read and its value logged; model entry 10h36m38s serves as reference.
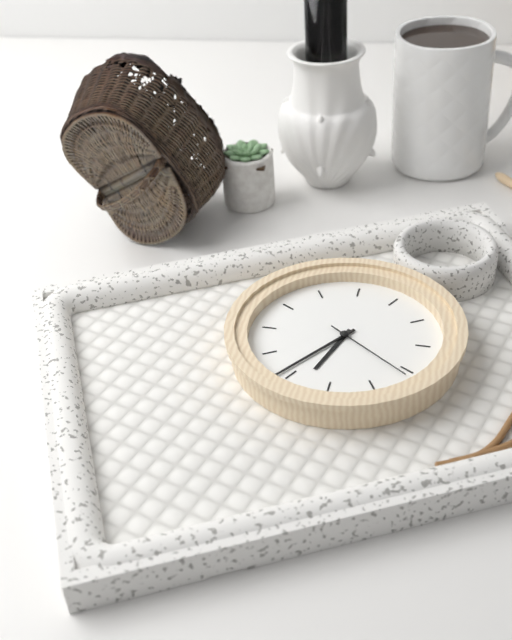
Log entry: 6h36m21s
